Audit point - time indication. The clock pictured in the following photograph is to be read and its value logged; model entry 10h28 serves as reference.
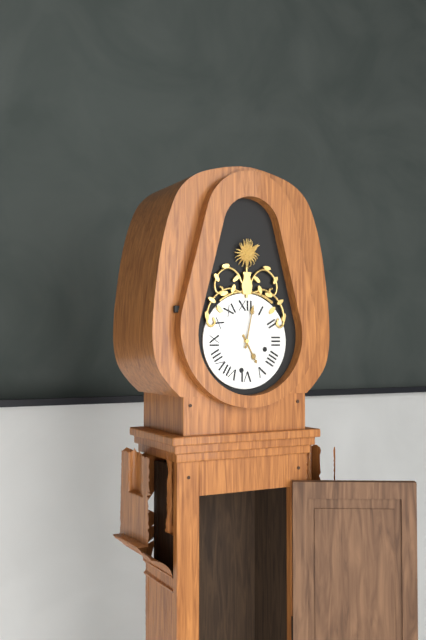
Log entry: 5h02
